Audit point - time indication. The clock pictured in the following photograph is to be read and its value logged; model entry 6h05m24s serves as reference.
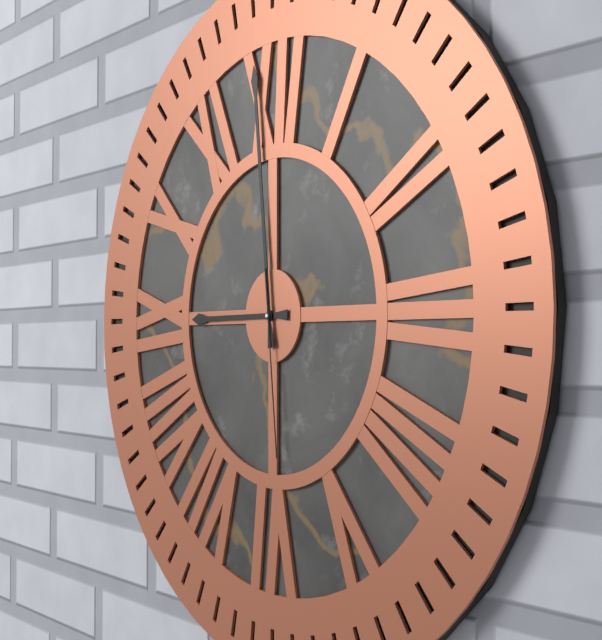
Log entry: 8h59m29s
